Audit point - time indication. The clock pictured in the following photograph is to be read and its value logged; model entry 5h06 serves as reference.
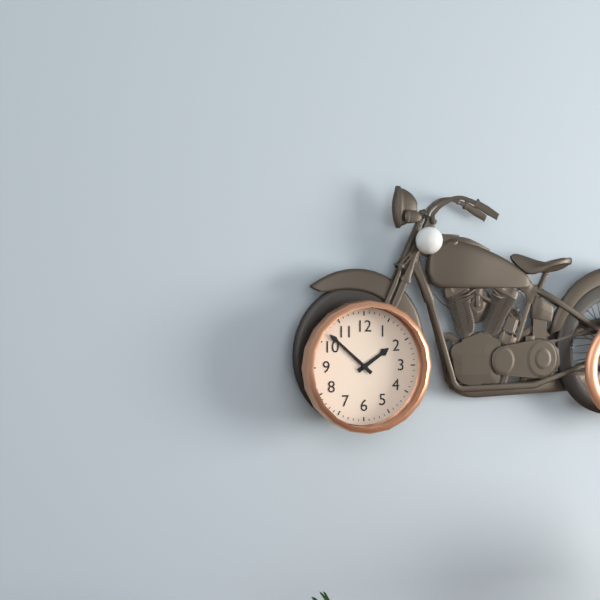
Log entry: 1h52
